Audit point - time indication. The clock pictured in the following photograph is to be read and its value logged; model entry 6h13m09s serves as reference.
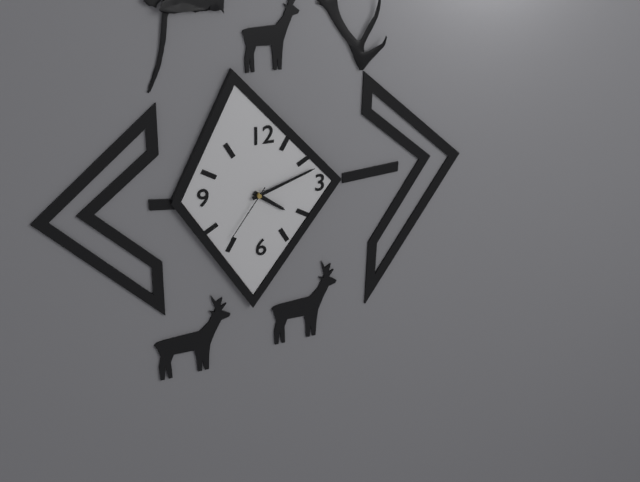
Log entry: 4h12m36s
